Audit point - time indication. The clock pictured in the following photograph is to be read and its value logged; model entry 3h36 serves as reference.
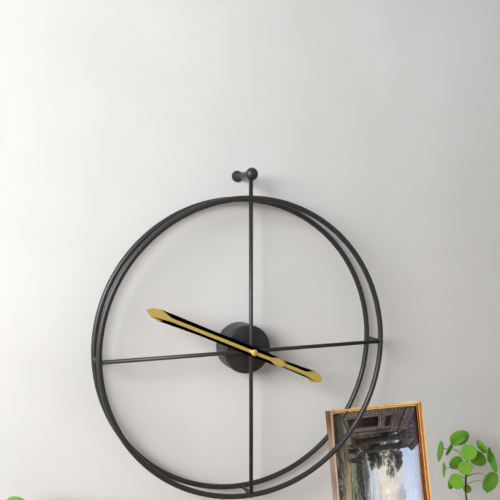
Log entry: 3h49
